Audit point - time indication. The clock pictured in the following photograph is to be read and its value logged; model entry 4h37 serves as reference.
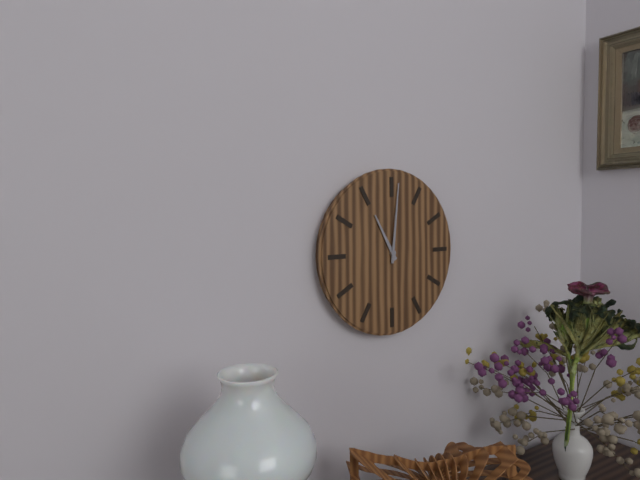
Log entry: 11h01
